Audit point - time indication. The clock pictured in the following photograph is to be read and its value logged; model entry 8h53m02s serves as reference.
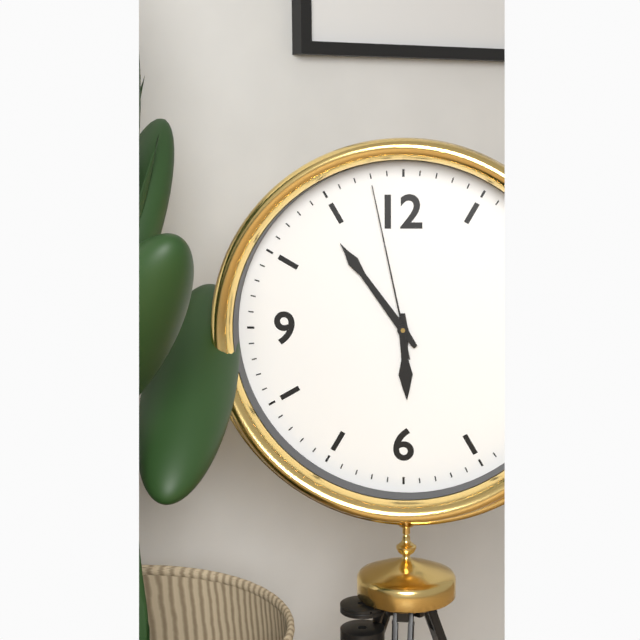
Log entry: 5h54m58s
